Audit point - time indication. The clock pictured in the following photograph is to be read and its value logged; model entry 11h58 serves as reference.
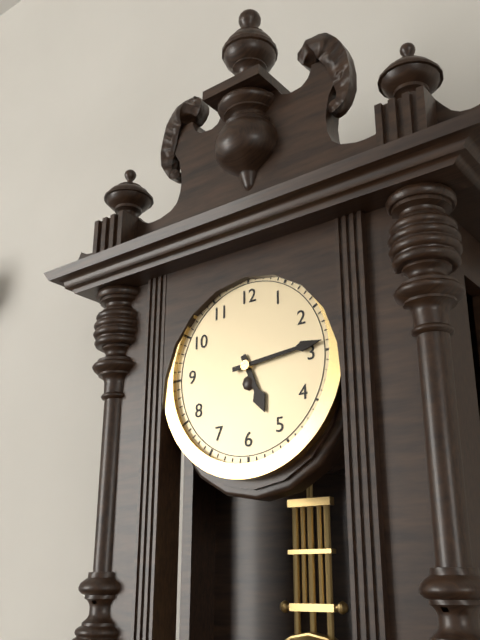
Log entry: 5h14
